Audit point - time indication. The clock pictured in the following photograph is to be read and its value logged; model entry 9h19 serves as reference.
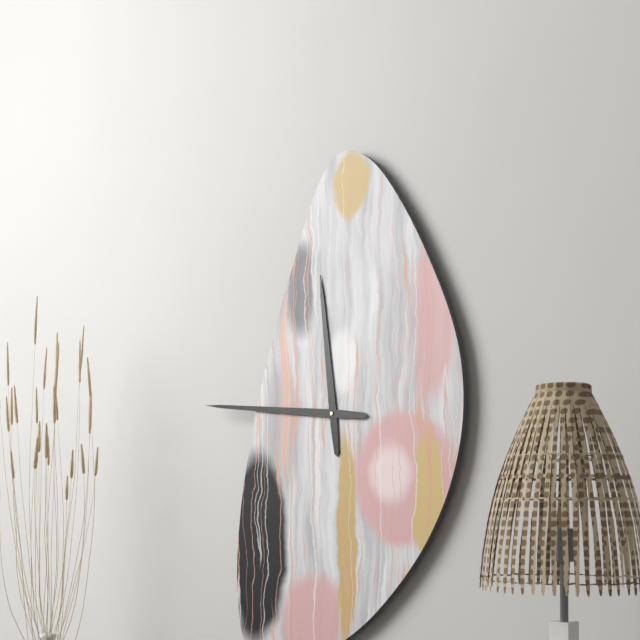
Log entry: 11h46
